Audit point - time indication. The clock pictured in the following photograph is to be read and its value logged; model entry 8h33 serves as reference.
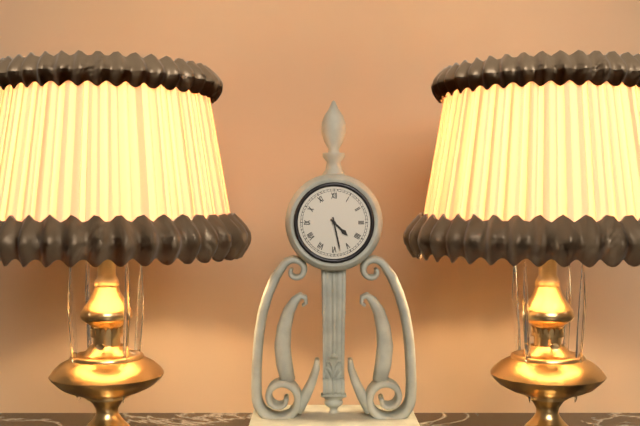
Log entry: 4h28
